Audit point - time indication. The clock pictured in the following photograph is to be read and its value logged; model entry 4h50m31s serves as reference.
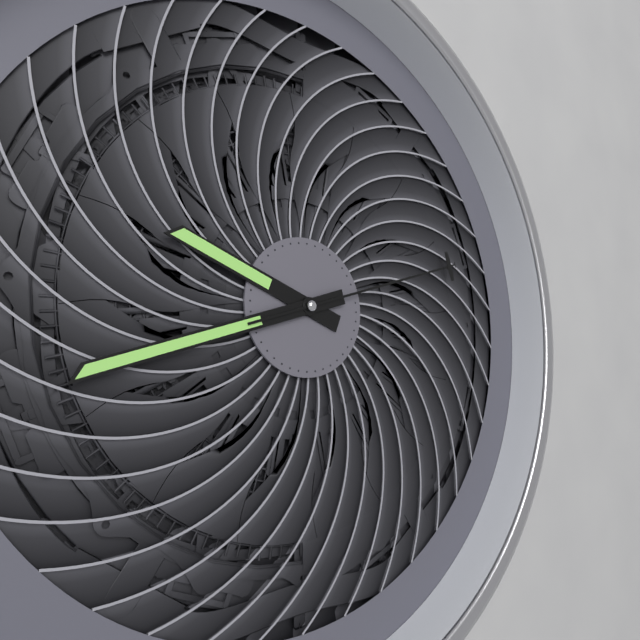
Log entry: 9h42m12s
